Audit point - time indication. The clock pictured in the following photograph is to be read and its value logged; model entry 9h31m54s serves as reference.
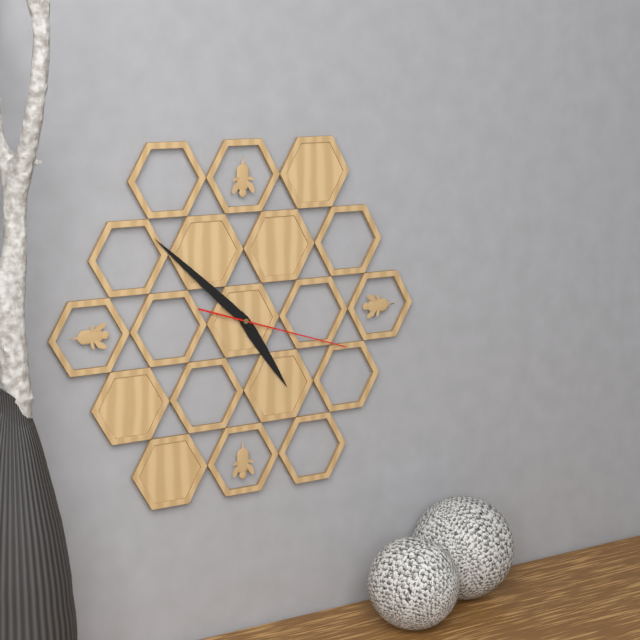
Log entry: 4h52m18s
